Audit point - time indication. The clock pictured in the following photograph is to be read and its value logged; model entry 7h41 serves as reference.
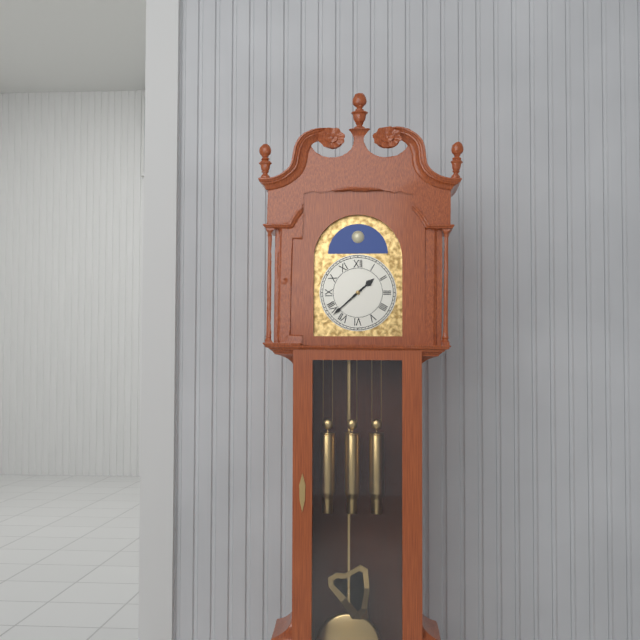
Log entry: 1h38
